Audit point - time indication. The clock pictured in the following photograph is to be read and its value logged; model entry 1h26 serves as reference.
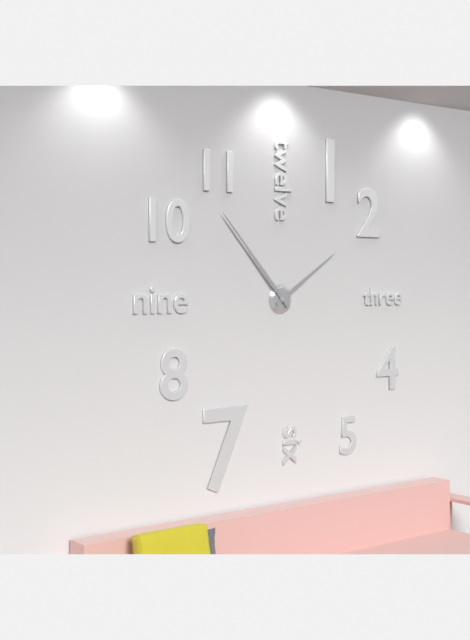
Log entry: 1h53
